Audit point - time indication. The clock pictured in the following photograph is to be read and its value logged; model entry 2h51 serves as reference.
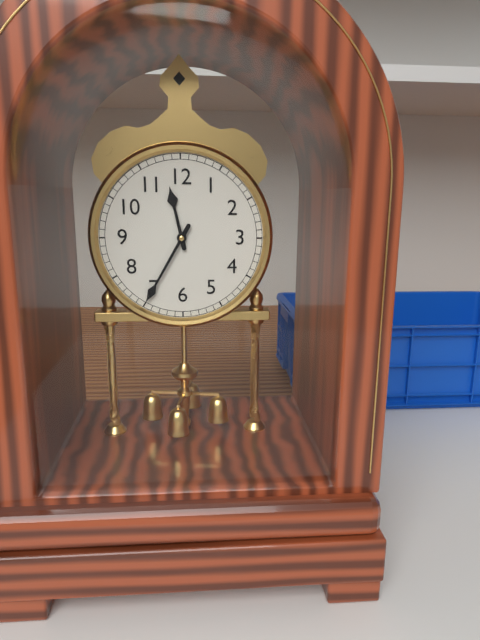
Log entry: 11h35
